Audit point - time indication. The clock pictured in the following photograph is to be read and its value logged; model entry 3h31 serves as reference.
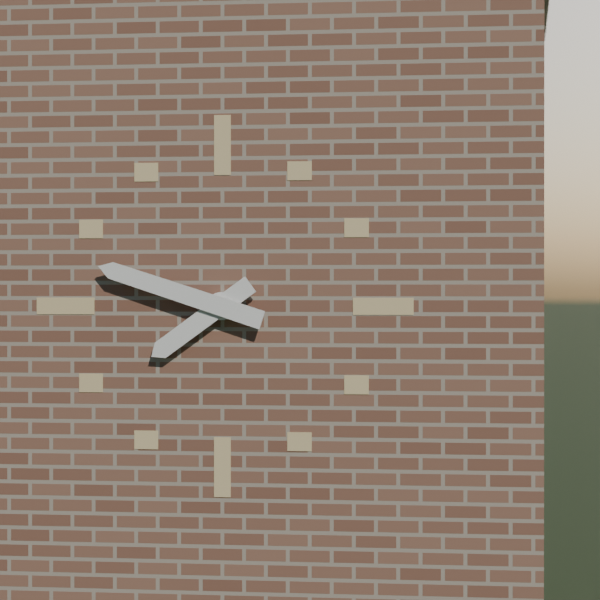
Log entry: 7h48
